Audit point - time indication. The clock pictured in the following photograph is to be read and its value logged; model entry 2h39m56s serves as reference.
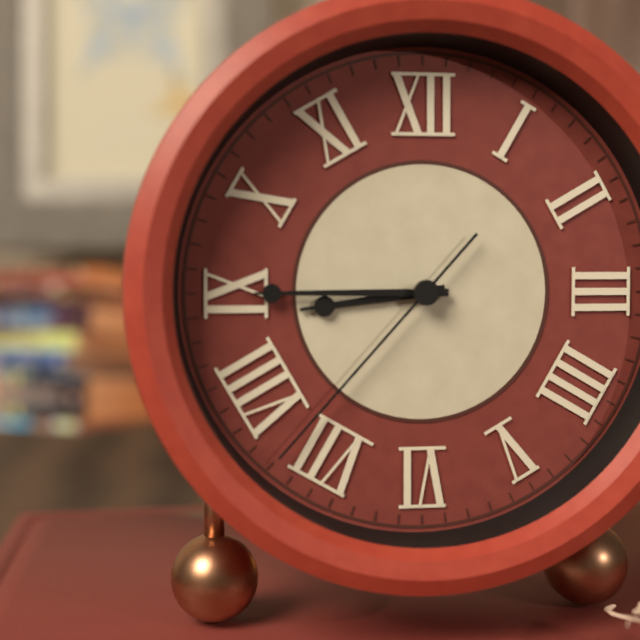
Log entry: 8h45m37s
